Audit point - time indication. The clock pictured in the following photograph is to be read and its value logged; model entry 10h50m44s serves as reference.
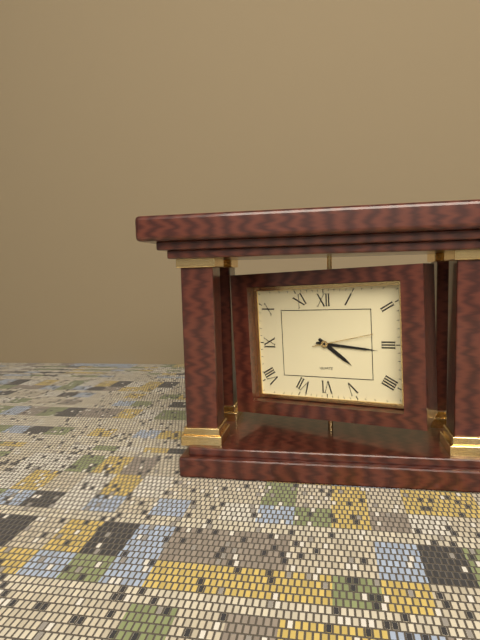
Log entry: 4h16m13s
